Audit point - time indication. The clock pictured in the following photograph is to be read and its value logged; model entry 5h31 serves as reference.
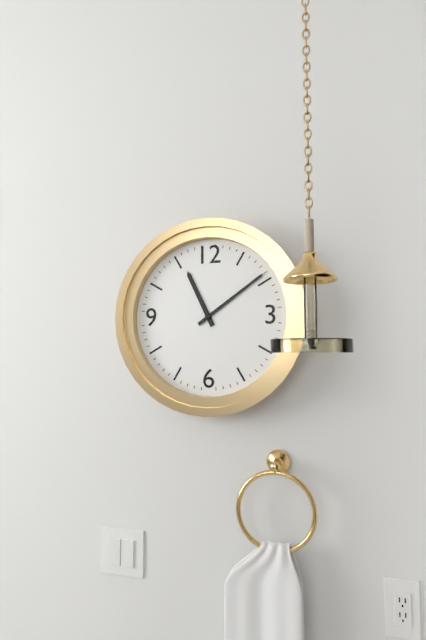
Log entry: 11h09
